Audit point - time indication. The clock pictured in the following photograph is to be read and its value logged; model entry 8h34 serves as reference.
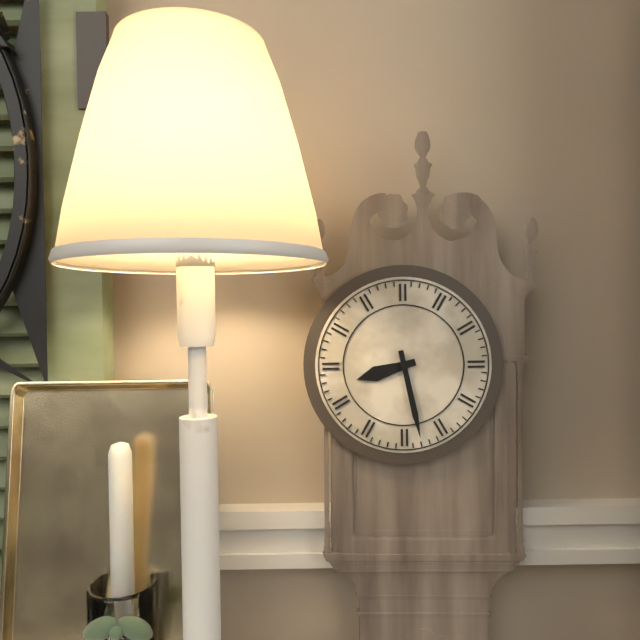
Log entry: 8h28
